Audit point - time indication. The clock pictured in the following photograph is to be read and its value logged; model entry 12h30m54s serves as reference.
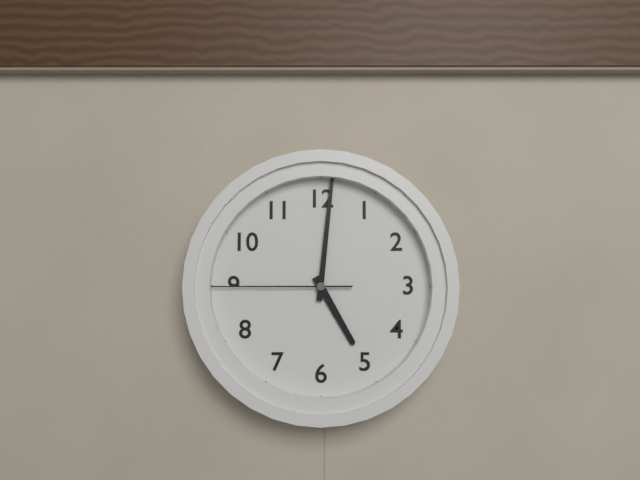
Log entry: 5h01m45s
